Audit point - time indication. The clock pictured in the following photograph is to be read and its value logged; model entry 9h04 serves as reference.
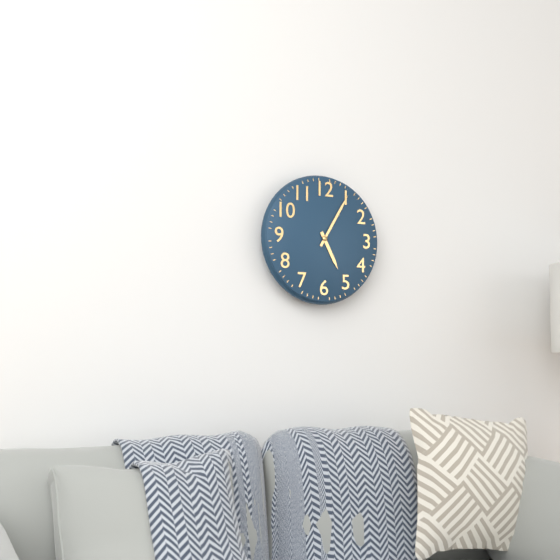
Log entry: 5h05
